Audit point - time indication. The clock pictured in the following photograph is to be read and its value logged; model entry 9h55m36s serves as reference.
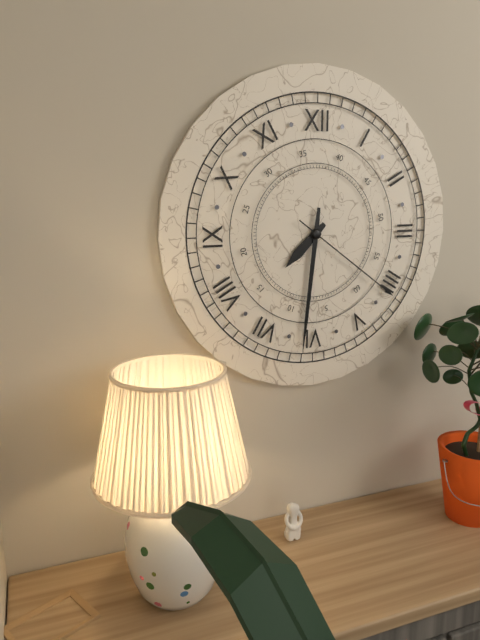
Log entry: 7h31m21s
